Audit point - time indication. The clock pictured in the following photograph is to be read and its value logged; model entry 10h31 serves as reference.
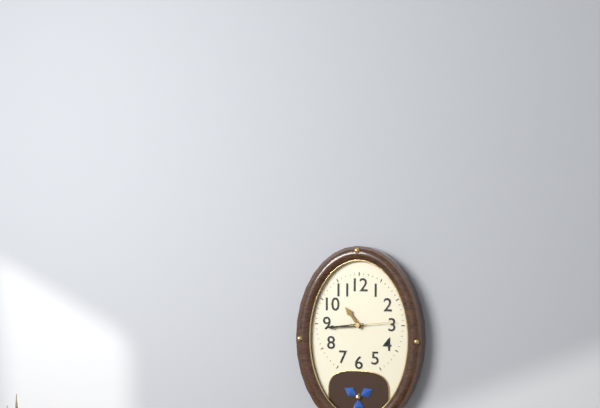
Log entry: 10h44
